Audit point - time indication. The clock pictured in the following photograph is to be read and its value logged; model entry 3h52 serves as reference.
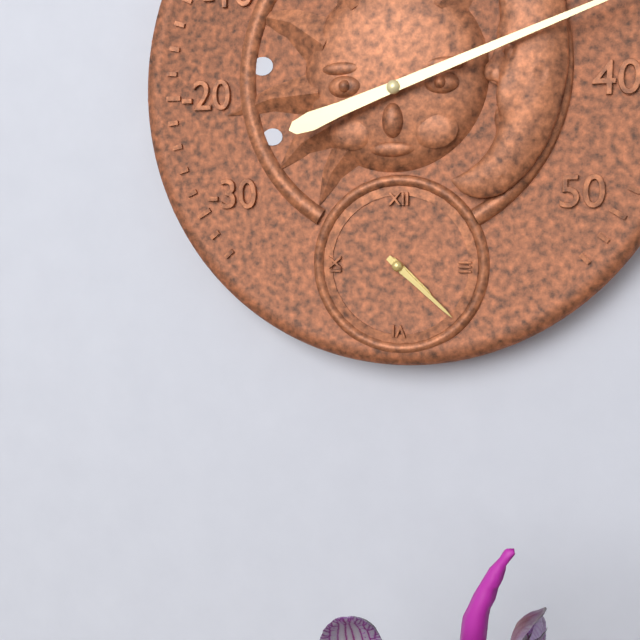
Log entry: 4h22
